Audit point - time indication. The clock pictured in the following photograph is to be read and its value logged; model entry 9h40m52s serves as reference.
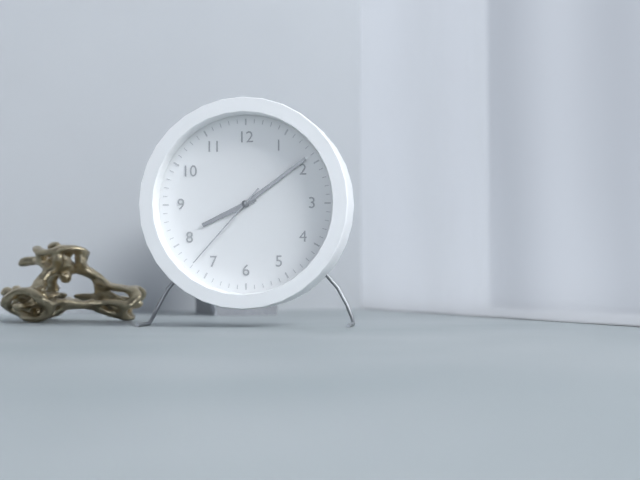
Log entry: 8h09m37s
